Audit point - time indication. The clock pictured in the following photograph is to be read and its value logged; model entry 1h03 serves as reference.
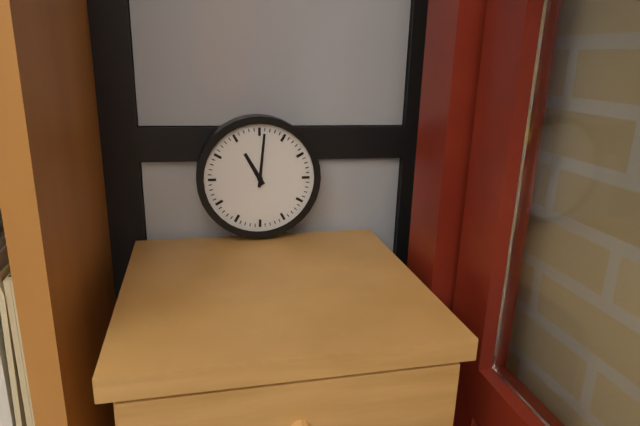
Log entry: 11h01
